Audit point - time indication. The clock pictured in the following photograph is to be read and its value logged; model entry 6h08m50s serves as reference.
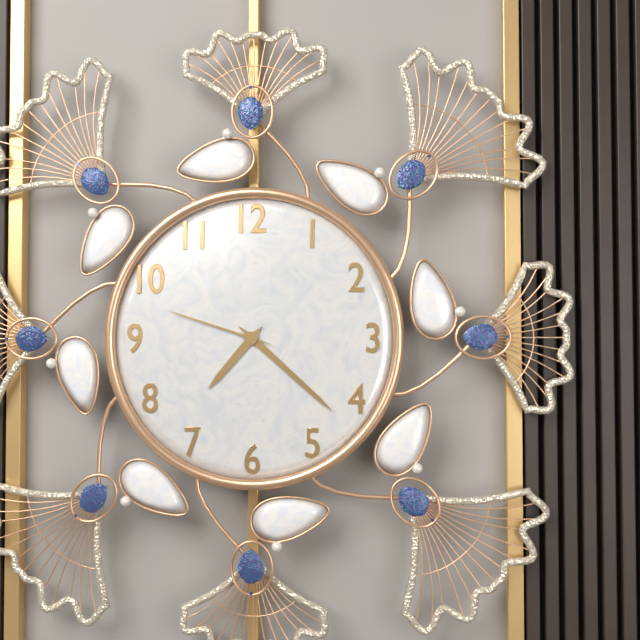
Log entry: 7h22m48s
